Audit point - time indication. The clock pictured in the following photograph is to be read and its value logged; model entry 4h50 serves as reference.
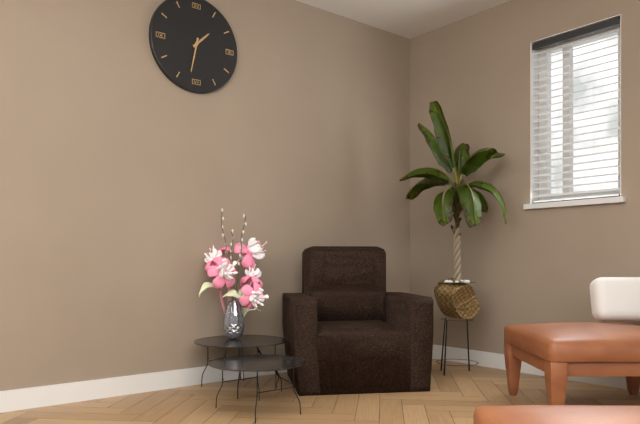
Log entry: 1h32
